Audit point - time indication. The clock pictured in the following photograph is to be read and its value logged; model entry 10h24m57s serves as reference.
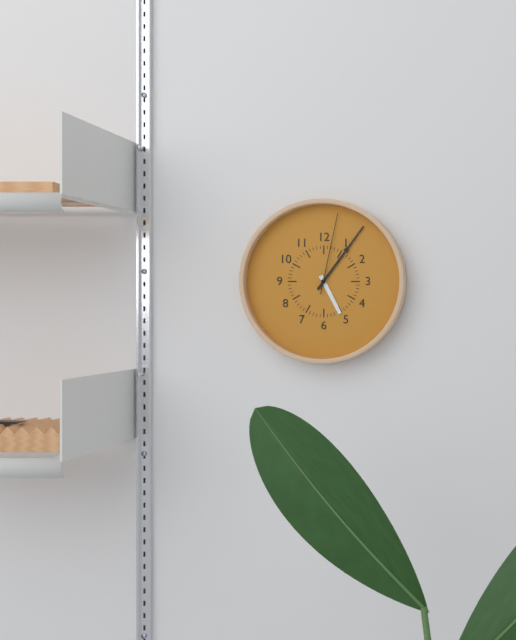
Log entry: 5h06m02s
